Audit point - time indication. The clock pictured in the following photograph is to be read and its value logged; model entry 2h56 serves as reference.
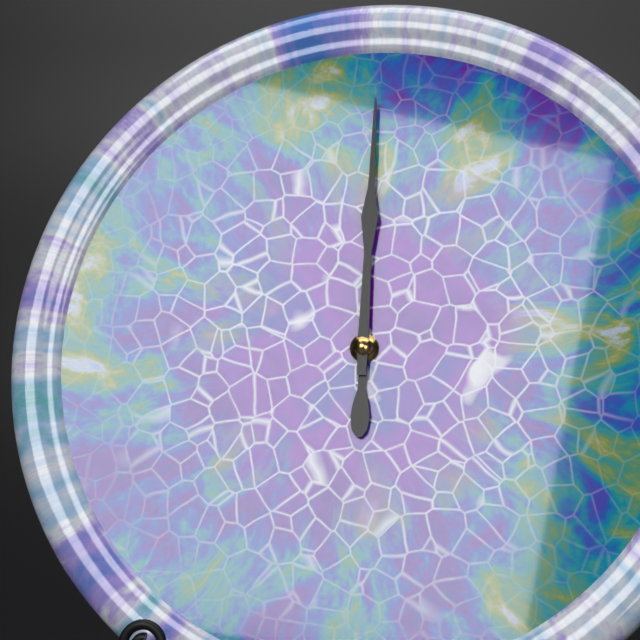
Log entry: 6h00
